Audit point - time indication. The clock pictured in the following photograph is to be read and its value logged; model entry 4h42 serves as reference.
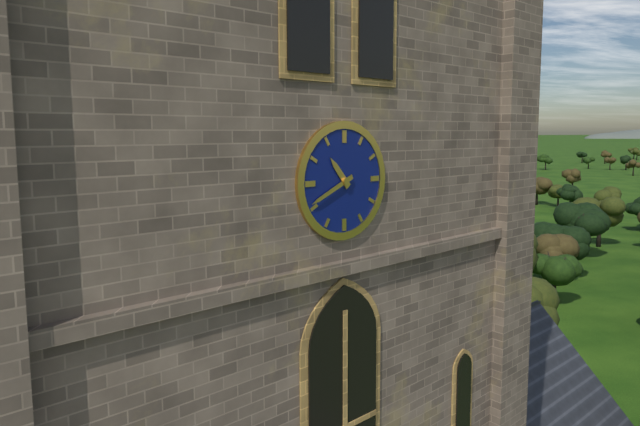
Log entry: 10h41
